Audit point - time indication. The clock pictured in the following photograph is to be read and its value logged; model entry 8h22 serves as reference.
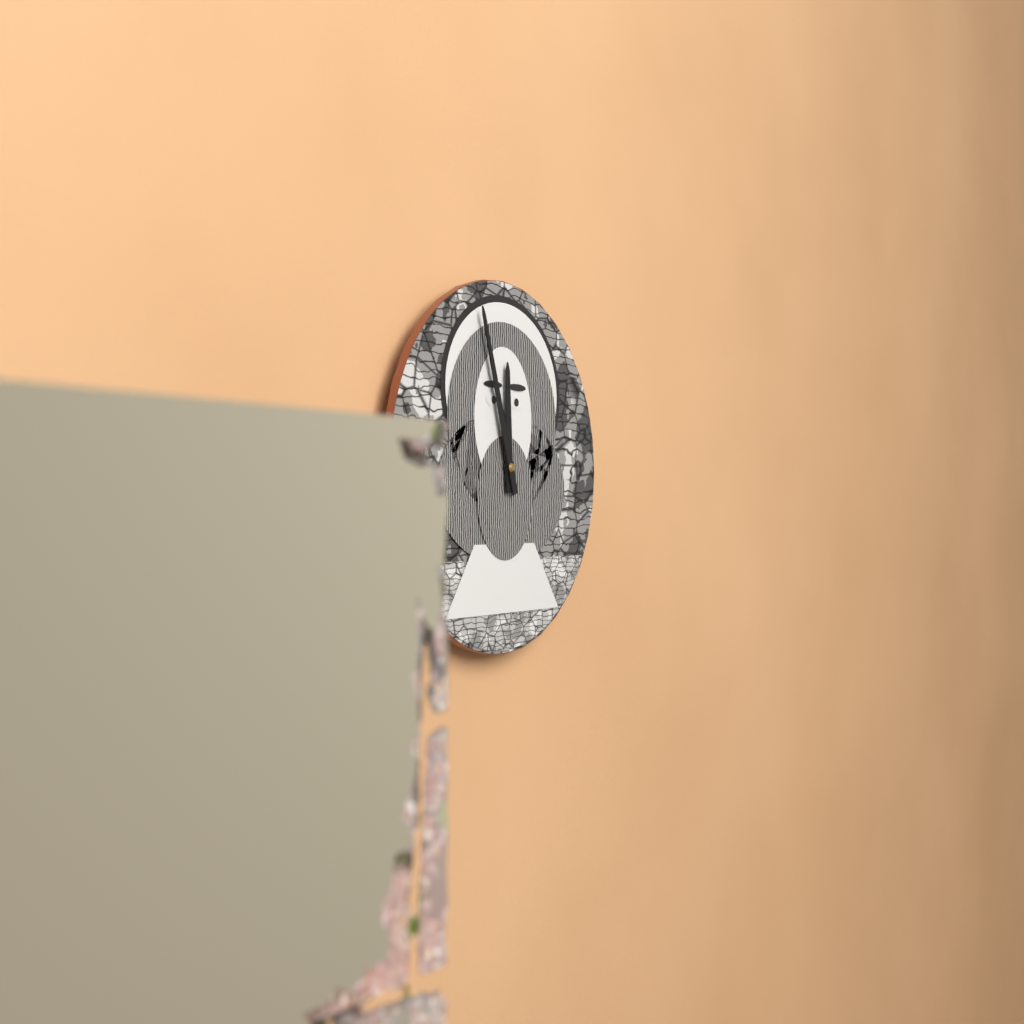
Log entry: 11h57
